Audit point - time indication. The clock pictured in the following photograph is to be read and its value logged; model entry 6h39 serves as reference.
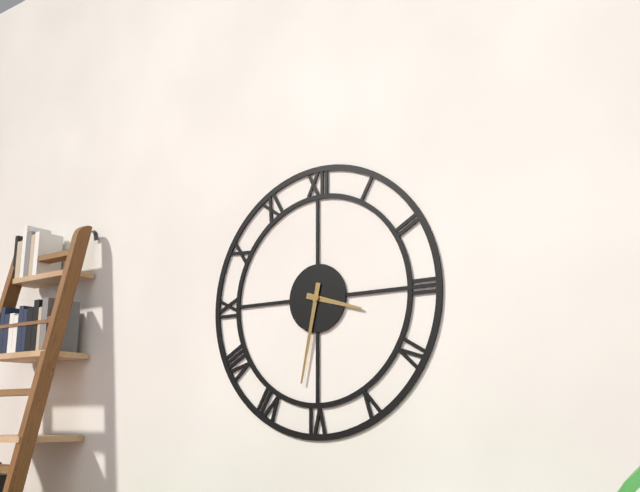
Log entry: 3h32
